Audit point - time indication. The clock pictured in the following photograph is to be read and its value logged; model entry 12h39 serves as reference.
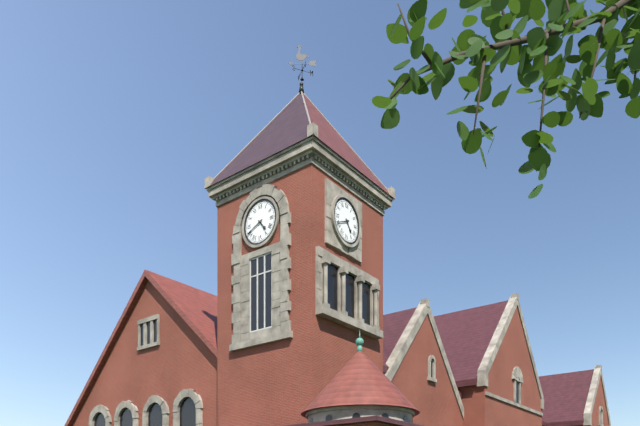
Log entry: 4h41
